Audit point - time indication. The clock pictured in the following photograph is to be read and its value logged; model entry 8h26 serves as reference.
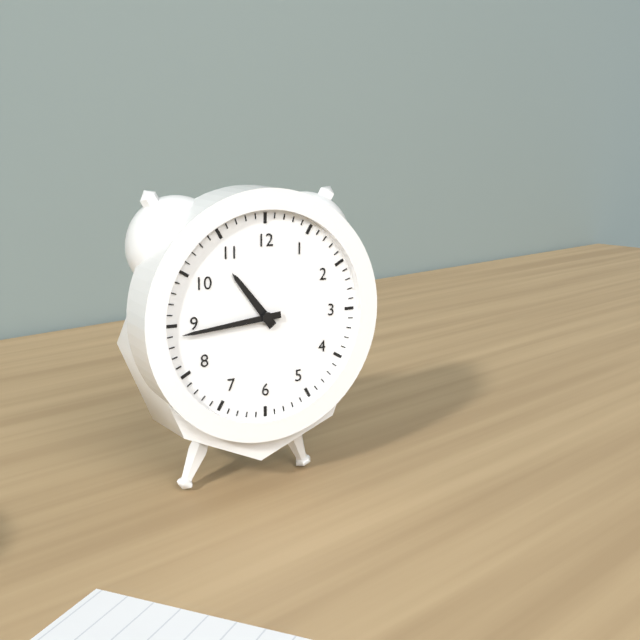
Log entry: 10h44
